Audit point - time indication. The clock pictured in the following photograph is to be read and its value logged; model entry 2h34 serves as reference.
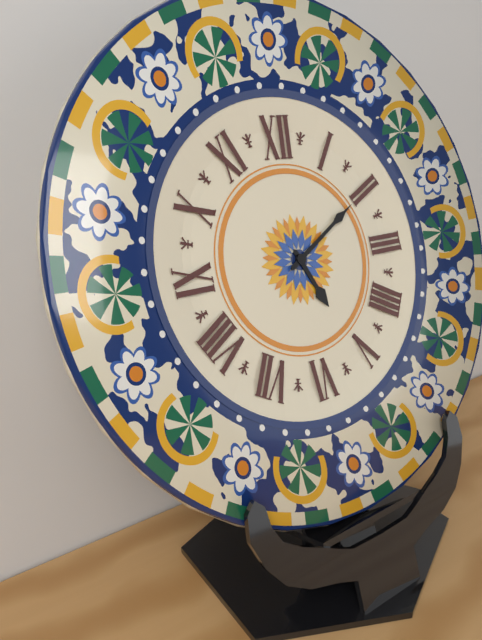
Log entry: 5h10
